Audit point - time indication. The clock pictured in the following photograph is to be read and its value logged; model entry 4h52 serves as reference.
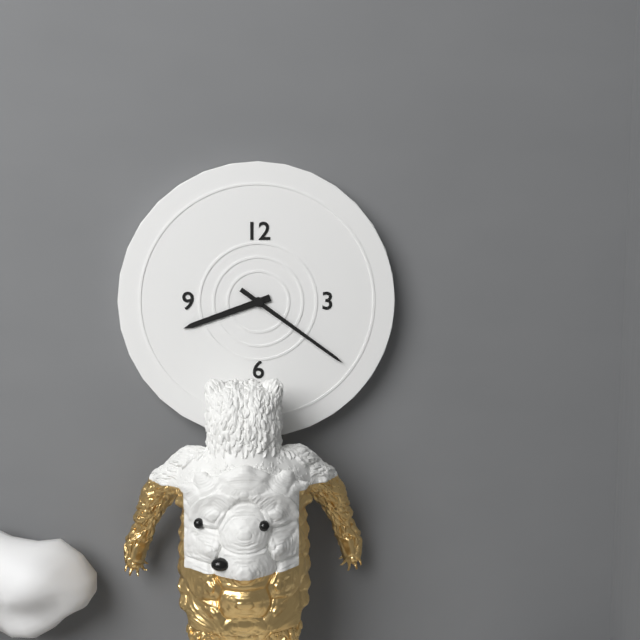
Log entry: 8h21
